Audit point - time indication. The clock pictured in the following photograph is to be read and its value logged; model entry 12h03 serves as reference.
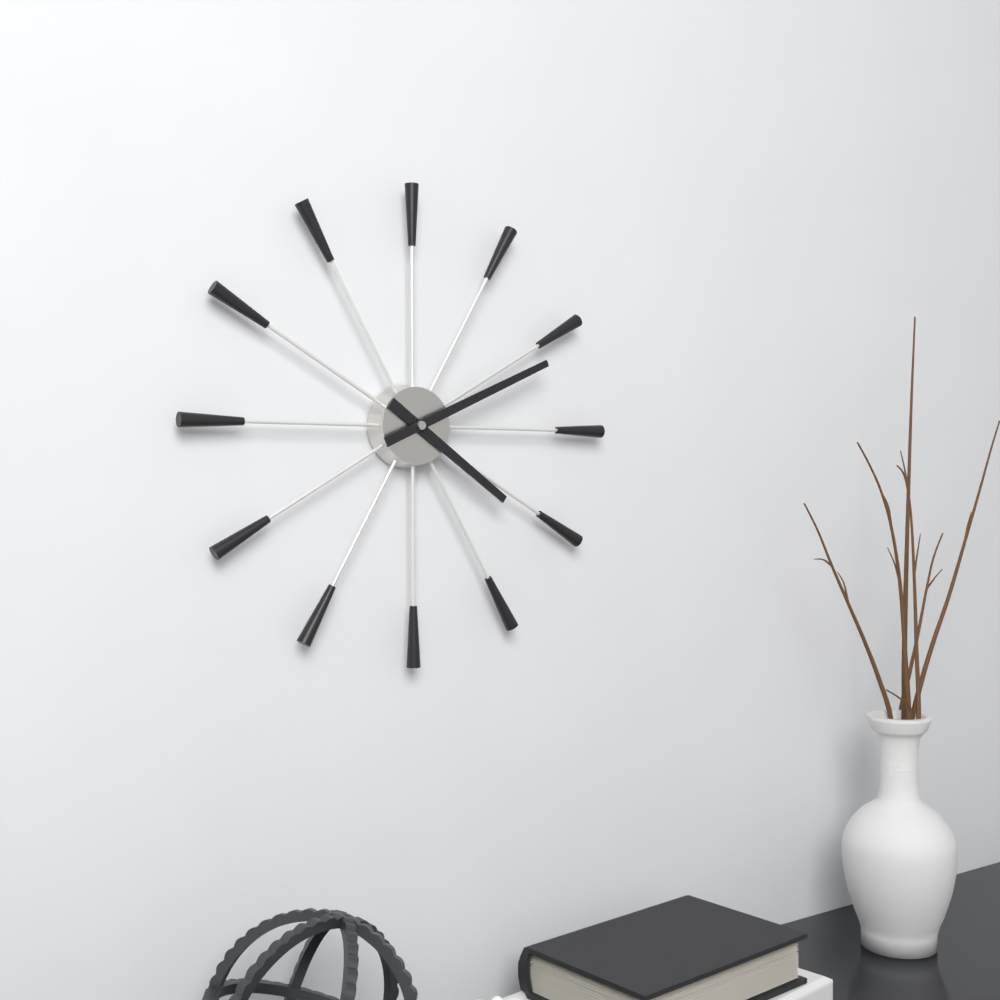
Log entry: 4h11
